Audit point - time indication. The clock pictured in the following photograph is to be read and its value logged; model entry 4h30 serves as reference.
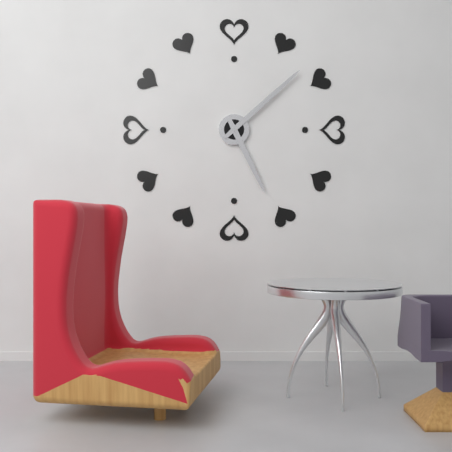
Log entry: 5h08
